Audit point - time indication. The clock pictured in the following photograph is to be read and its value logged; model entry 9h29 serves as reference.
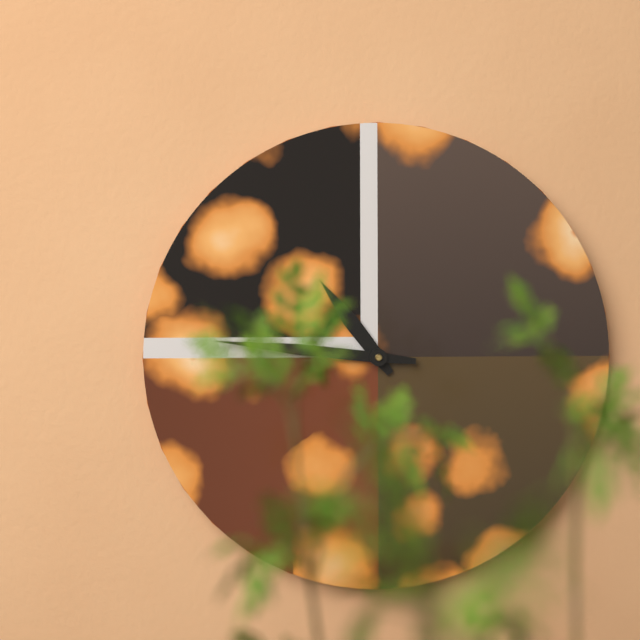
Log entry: 10h46
